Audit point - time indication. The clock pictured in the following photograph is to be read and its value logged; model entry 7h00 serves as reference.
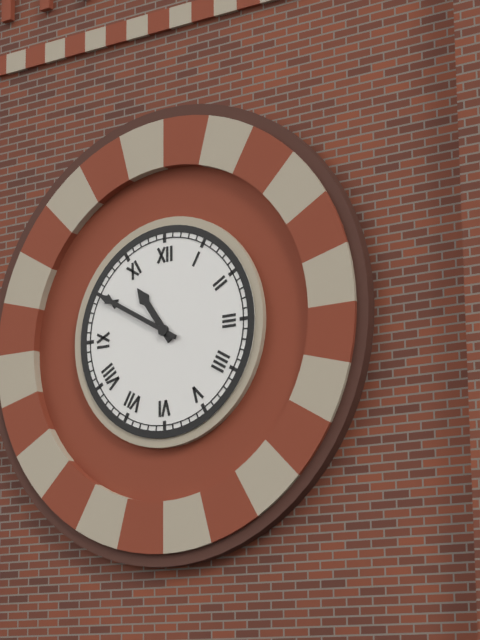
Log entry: 10h50
